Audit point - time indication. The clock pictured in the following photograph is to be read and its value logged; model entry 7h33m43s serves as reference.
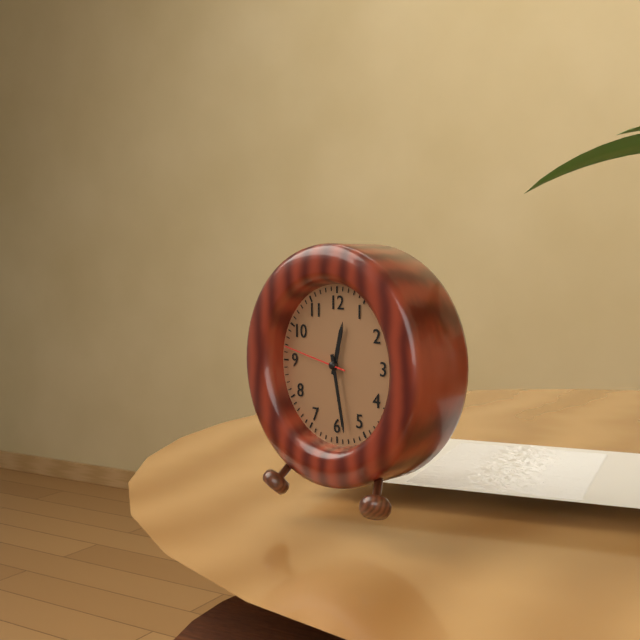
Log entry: 12h28m47s
